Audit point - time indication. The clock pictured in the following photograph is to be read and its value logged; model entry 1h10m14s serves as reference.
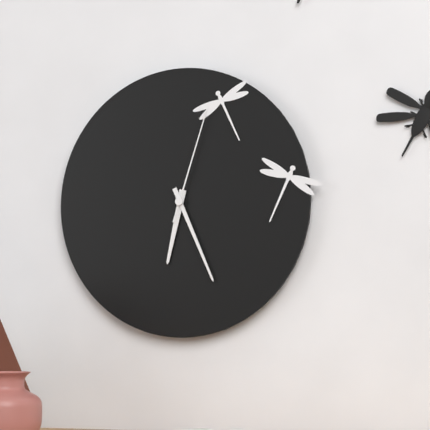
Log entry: 6h26m03s
